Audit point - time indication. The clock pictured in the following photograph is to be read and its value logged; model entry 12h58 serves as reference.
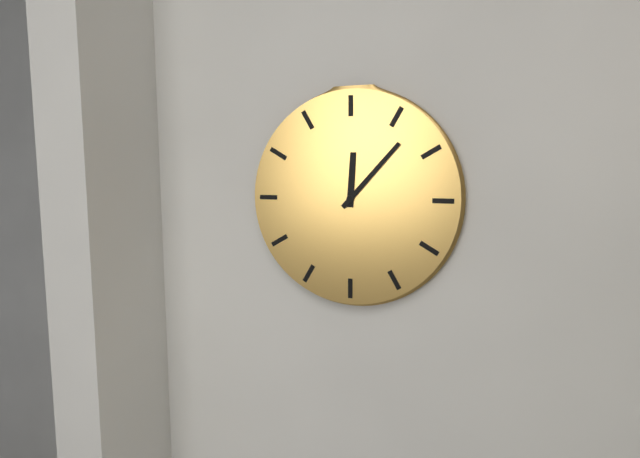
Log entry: 12h07
